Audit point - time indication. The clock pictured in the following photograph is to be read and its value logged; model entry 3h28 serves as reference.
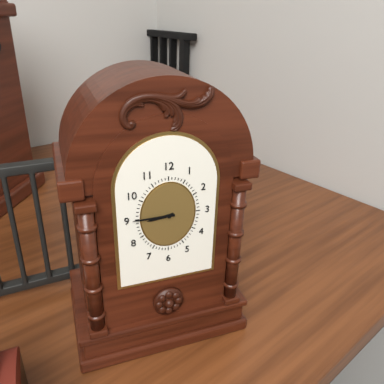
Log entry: 8h45
